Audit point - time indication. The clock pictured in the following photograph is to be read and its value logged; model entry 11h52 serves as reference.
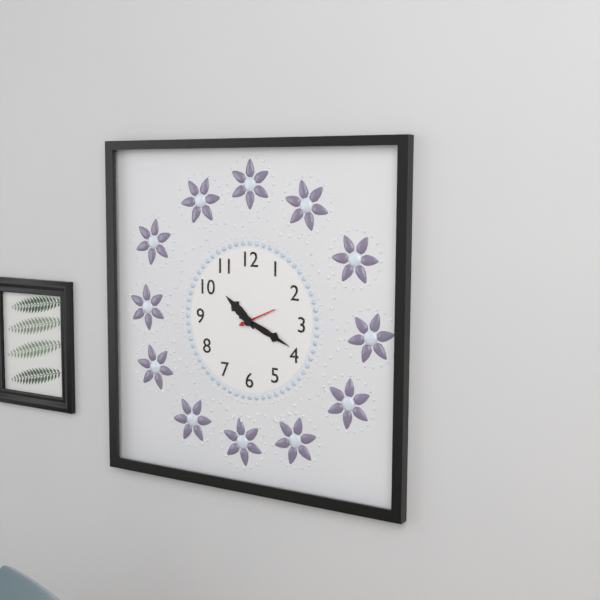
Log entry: 10h19
